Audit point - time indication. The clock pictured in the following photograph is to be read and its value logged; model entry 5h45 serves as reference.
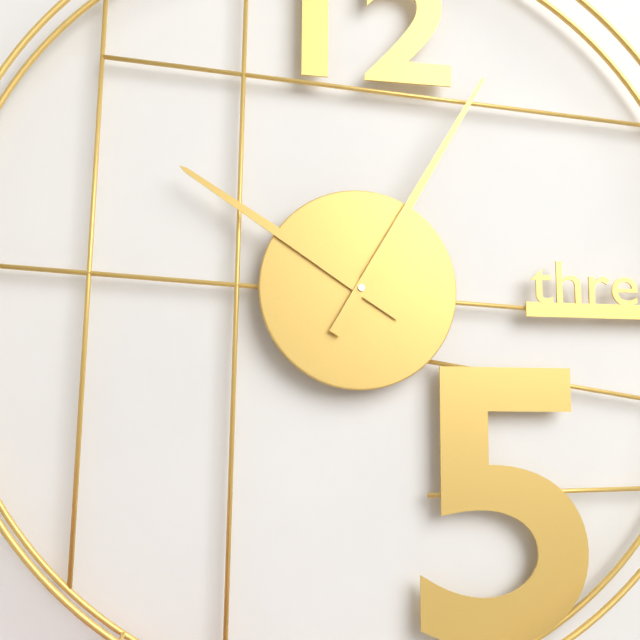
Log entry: 10h05
